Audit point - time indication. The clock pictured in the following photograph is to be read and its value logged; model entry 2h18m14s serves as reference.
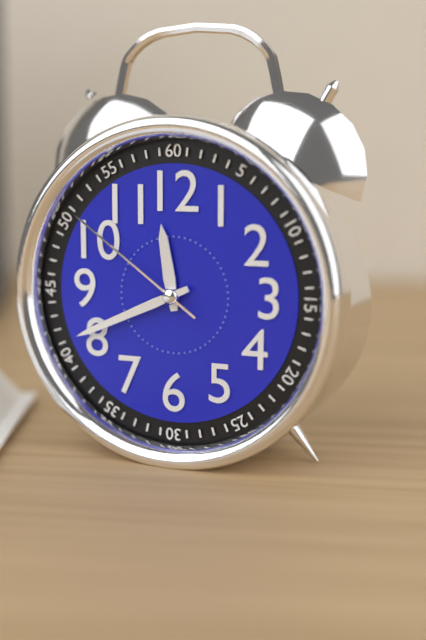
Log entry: 11h41m51s
